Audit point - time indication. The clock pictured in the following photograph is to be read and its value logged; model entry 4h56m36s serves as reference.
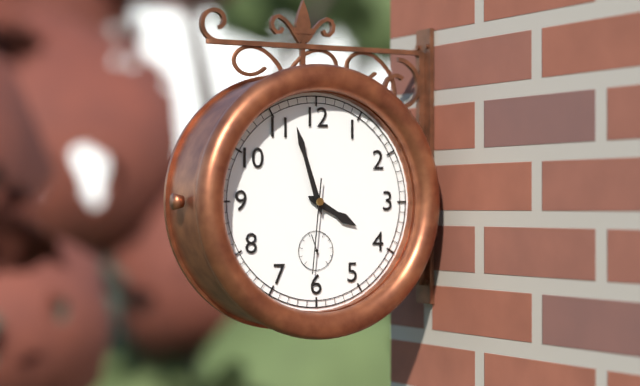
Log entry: 3h57m31s
